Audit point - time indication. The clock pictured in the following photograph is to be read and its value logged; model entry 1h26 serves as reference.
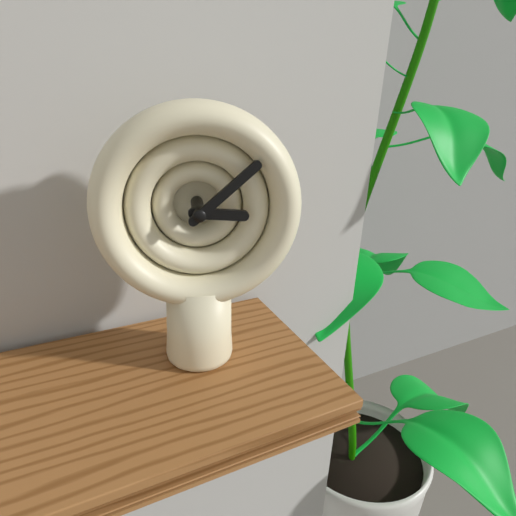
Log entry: 3h08
